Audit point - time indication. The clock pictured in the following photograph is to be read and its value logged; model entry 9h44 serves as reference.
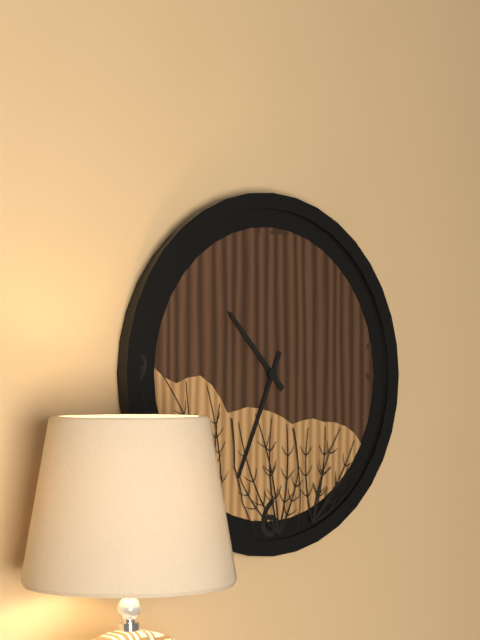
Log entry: 10h34
